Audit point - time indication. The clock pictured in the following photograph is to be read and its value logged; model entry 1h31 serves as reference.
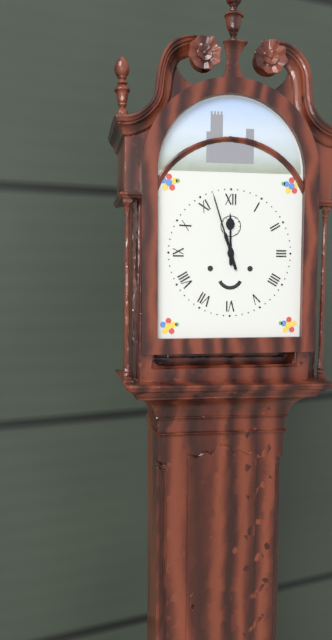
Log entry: 11h57
